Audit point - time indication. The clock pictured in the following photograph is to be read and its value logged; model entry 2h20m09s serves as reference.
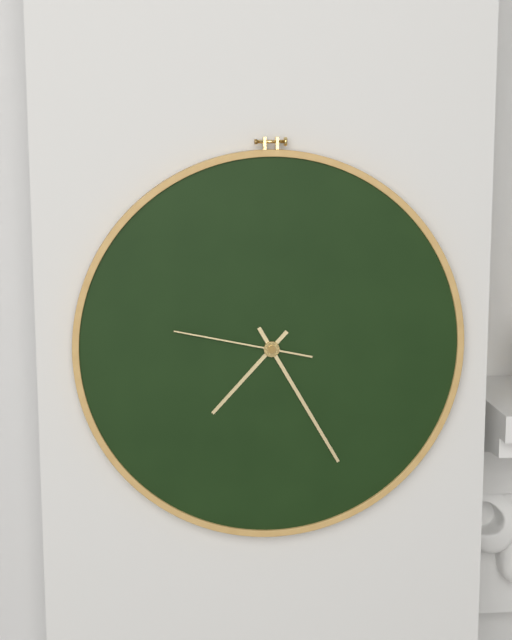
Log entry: 7h25m47s
